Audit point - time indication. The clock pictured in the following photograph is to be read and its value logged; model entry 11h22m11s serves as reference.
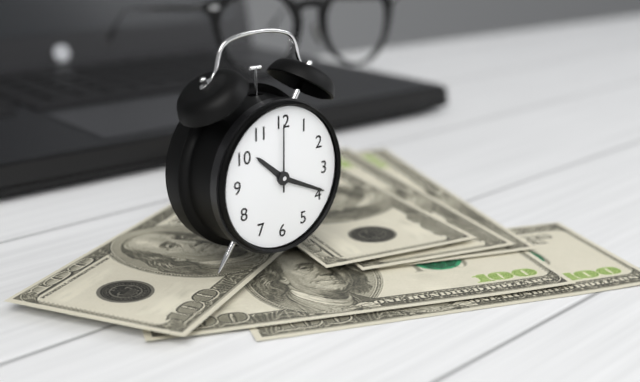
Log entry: 10h19m00s
